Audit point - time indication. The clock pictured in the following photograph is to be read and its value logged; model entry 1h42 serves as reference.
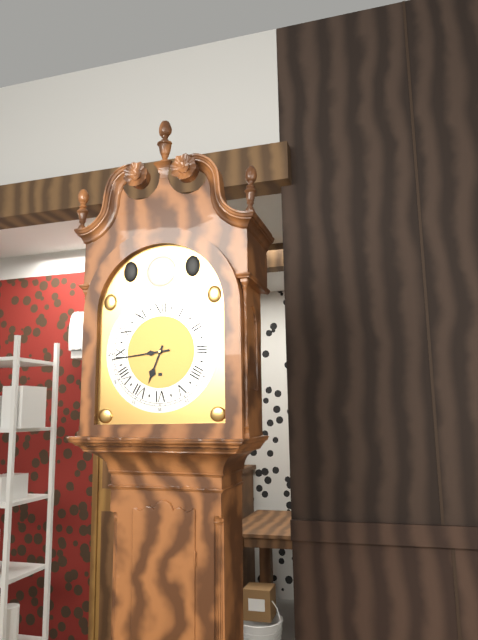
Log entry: 6h44
